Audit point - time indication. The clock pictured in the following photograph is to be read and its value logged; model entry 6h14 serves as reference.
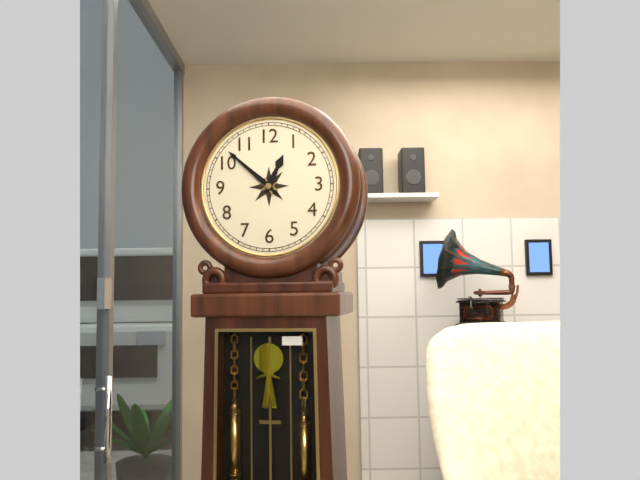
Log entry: 12h52
